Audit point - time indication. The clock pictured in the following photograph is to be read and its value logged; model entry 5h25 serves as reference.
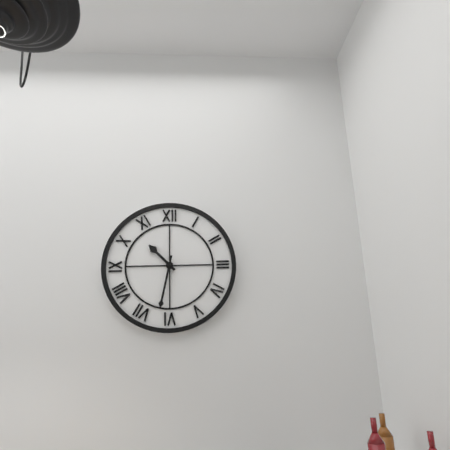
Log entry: 10h32
